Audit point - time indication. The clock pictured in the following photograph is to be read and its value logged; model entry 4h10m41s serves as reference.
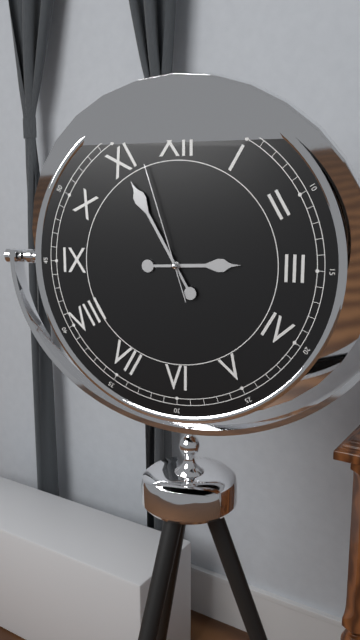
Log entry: 2h55m57s
